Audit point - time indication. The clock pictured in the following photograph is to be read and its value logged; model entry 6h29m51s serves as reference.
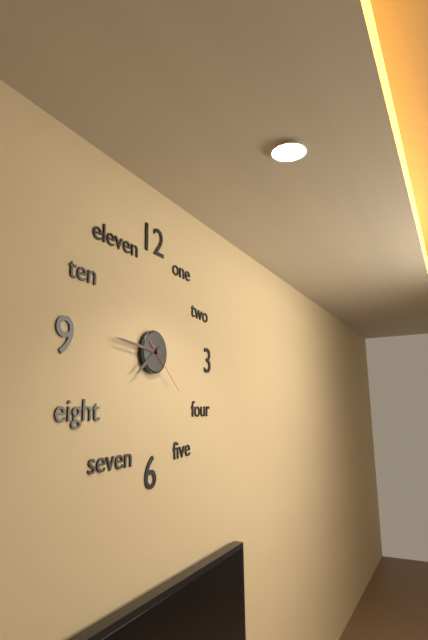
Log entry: 7h46m22s
